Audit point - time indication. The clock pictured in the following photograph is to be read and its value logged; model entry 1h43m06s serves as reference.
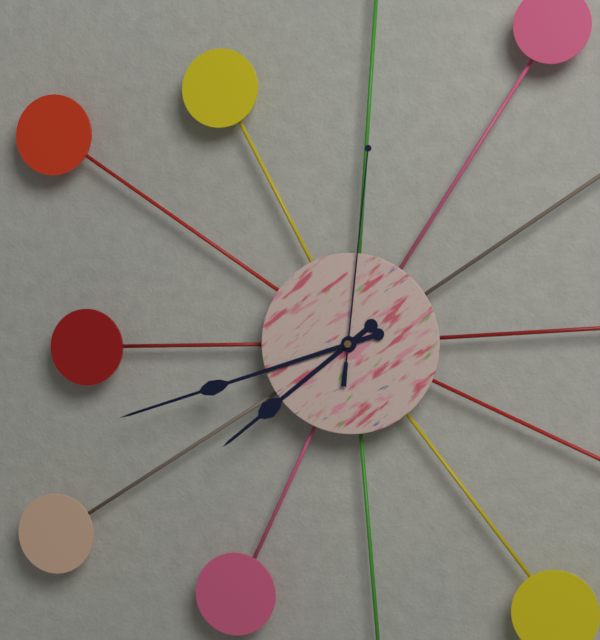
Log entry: 7h42m01s
